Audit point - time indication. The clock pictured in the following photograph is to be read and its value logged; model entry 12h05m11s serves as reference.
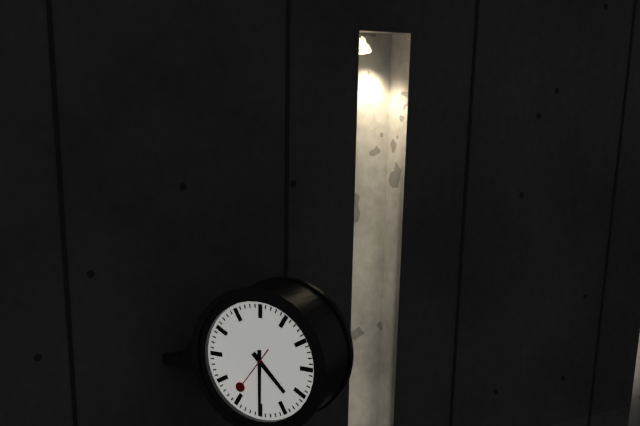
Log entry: 4h30m36s
